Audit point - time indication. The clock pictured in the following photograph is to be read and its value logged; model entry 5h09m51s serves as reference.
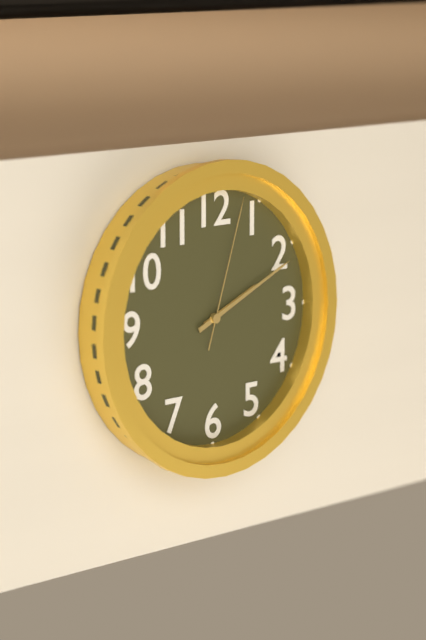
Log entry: 2h11m03s
